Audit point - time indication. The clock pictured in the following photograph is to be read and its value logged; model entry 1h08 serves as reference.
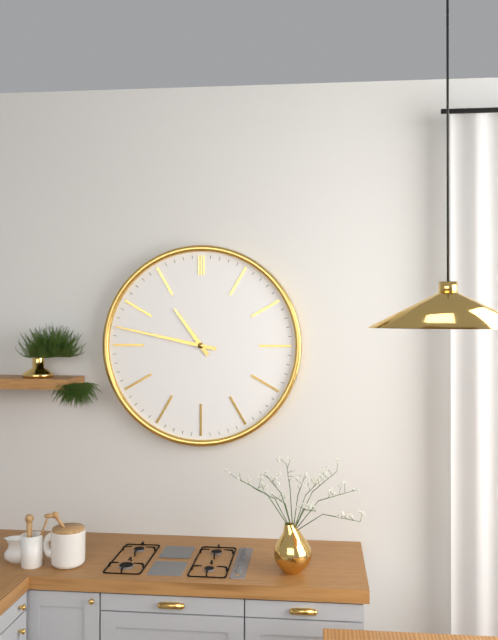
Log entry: 10h47
